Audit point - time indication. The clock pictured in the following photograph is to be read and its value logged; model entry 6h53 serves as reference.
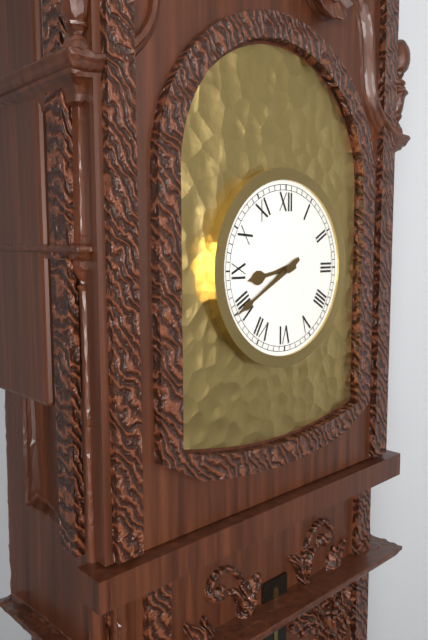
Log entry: 8h40
